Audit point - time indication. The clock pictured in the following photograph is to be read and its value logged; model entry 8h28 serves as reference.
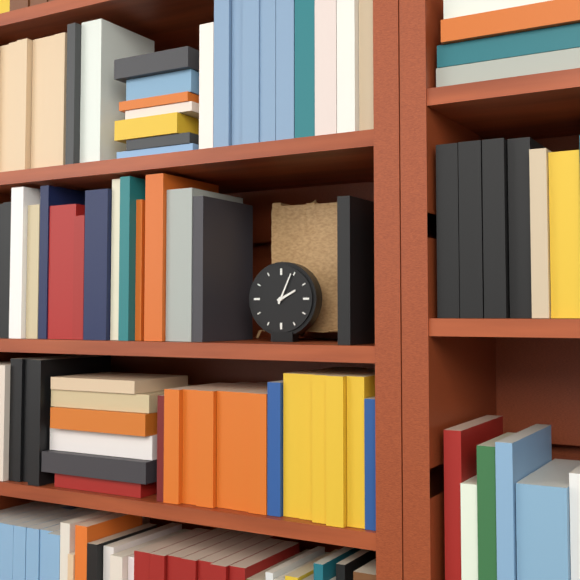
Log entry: 2h04
